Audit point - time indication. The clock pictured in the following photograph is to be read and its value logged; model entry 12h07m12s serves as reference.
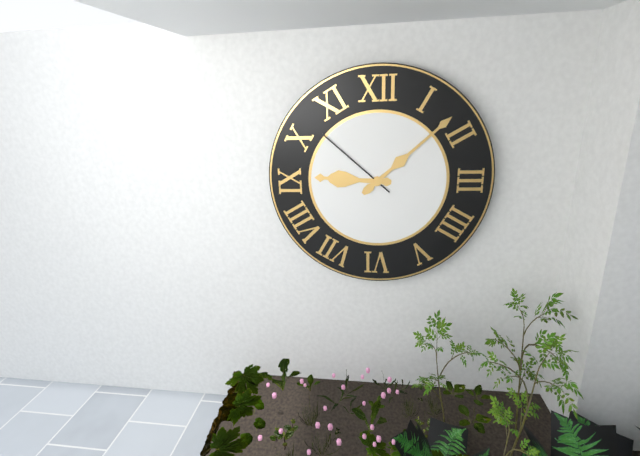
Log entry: 9h08m52s
